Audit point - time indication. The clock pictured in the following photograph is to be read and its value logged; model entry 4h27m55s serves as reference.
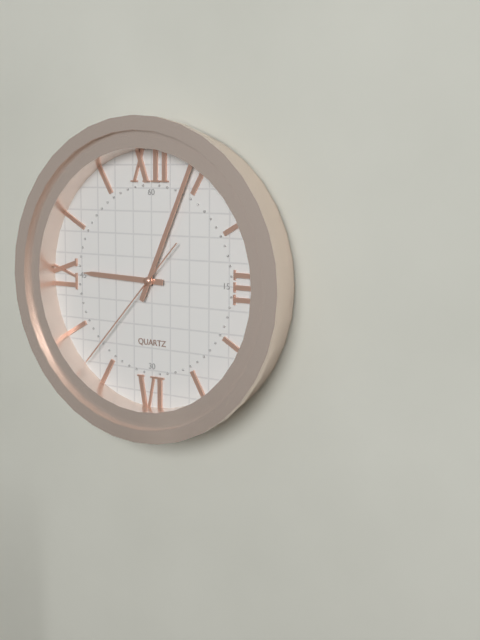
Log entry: 9h04m37s
